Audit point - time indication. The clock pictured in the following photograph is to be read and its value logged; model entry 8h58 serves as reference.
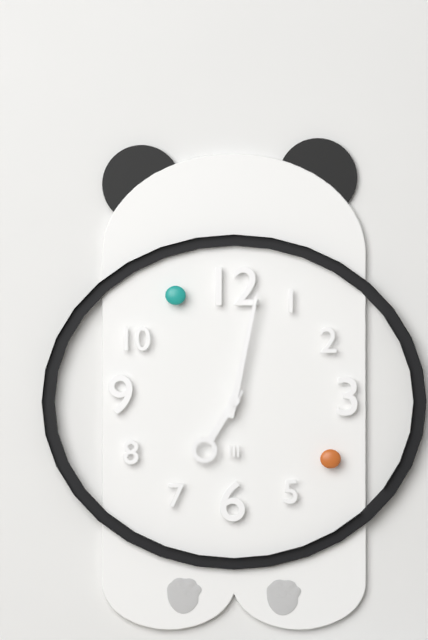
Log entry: 7h02
